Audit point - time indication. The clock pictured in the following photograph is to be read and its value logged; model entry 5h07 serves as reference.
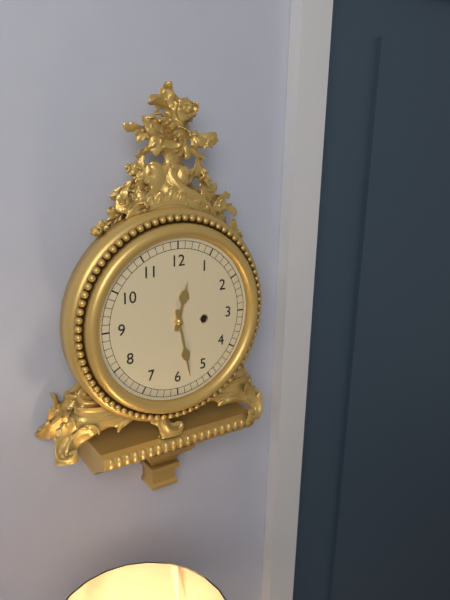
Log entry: 12h28
